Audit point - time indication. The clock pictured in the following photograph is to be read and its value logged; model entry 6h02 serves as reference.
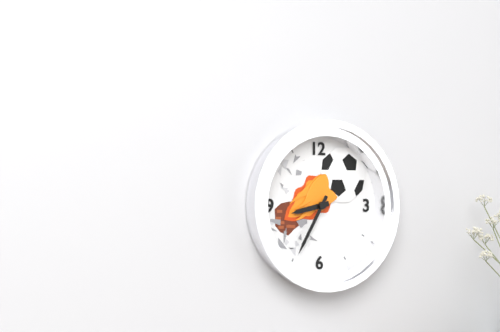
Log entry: 8h35
